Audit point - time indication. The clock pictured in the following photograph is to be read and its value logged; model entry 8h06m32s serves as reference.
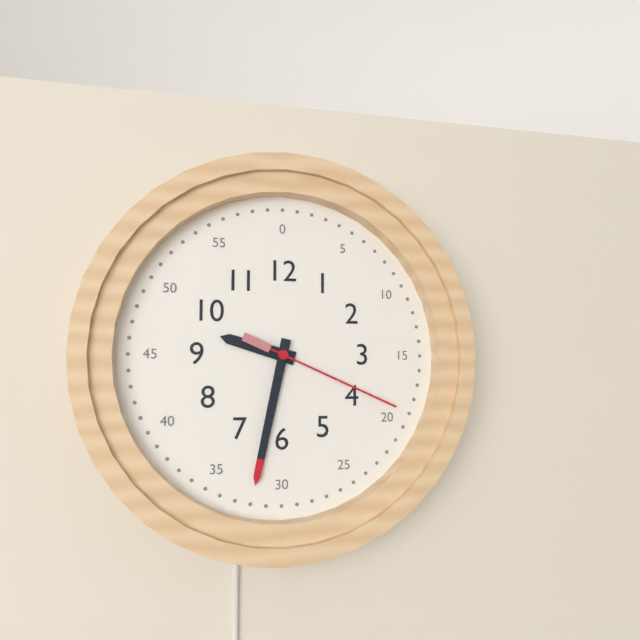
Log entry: 9h32m19s
